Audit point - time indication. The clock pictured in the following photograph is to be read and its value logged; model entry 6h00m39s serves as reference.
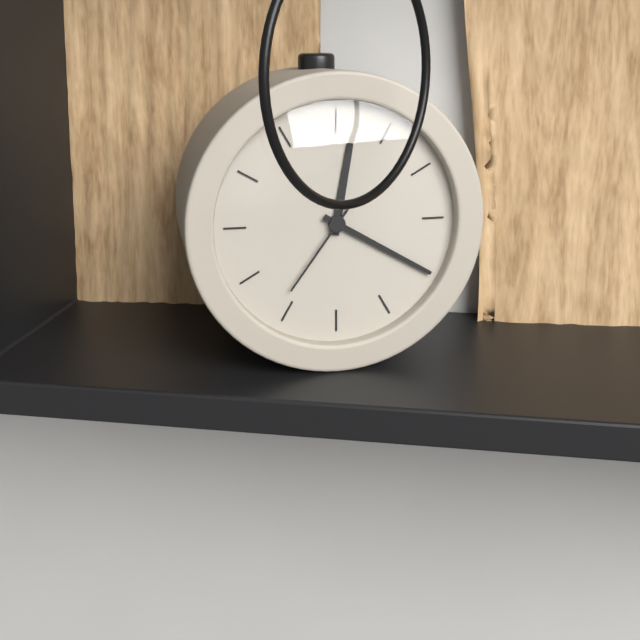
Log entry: 12h20m36s
